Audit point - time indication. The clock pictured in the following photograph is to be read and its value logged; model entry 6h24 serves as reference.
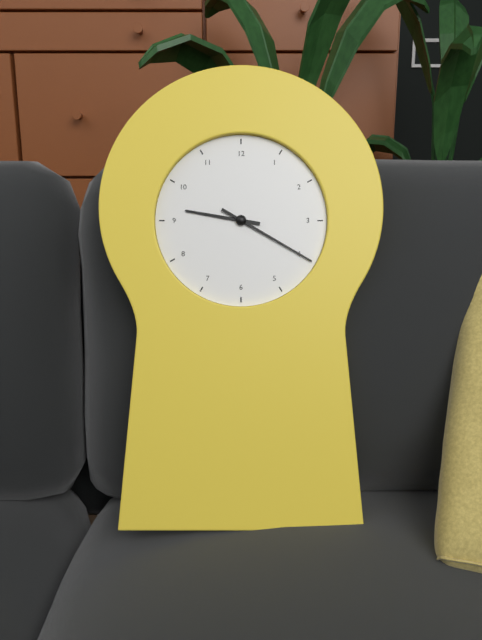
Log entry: 9h20
